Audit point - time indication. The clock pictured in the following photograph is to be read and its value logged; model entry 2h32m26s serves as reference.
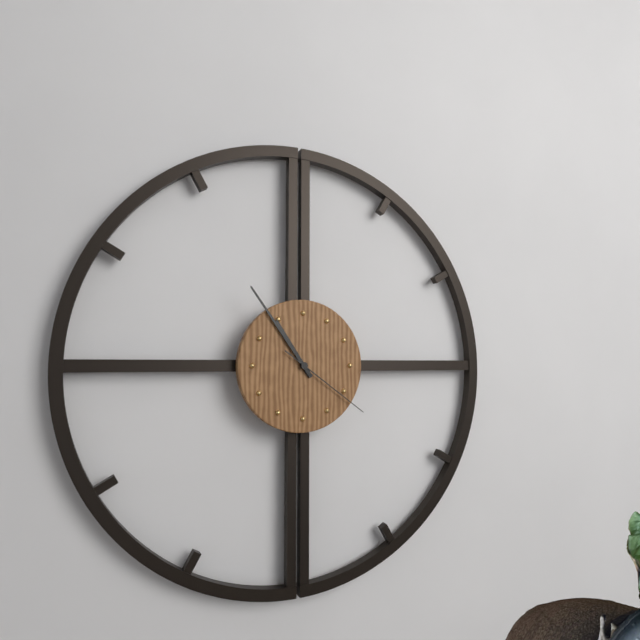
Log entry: 10h54m21s
